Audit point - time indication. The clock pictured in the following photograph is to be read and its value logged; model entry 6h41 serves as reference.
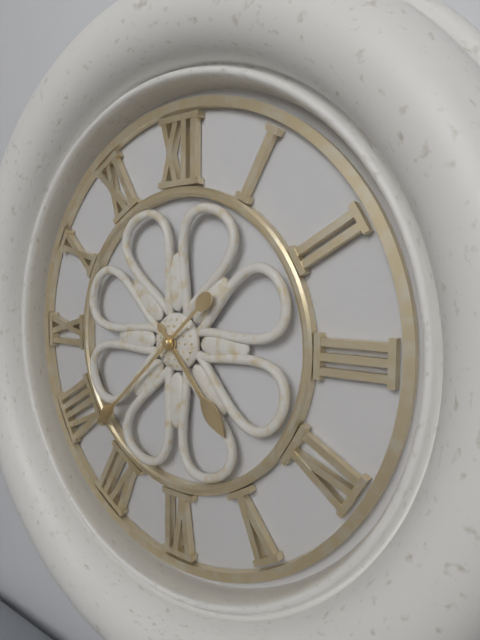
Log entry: 4h38
